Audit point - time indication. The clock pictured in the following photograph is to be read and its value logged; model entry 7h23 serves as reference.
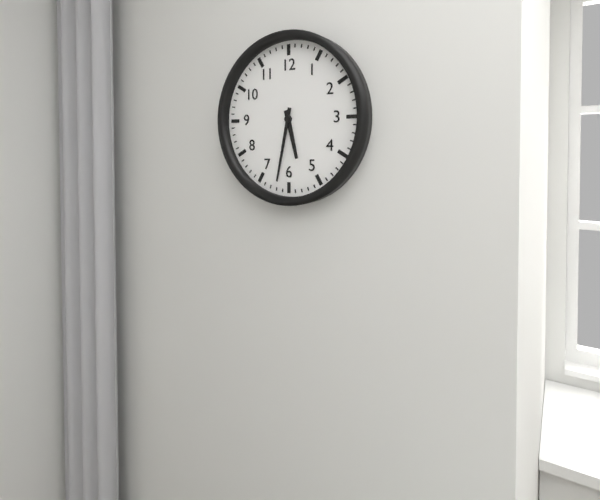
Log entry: 5h32
